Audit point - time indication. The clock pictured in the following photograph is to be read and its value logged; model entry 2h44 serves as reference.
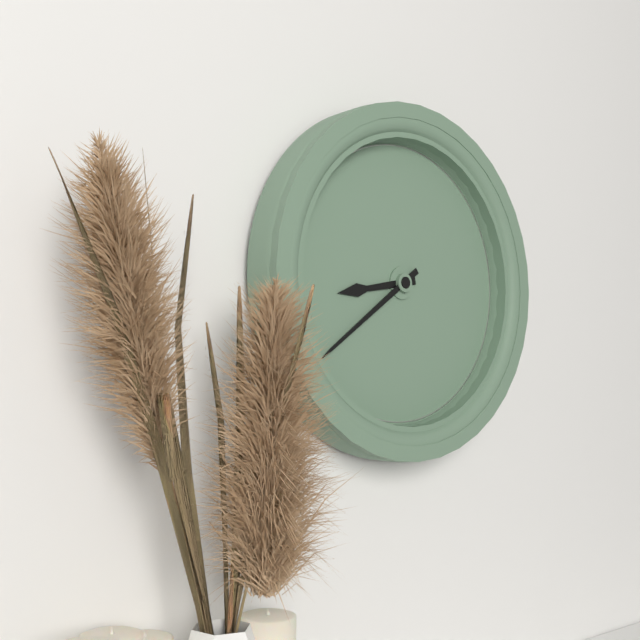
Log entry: 8h39
